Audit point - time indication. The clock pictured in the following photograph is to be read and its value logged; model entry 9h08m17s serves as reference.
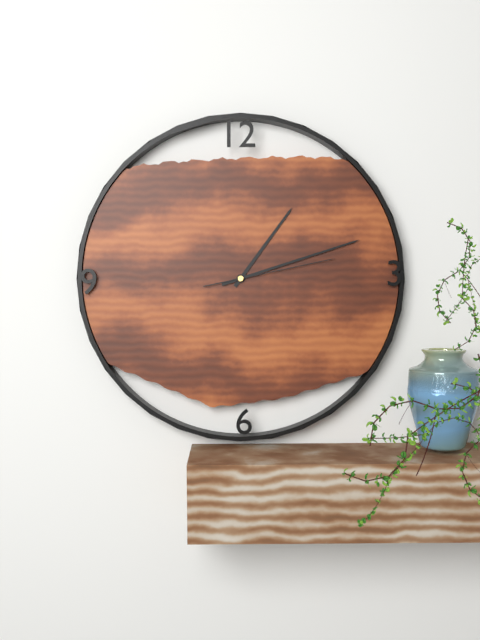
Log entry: 1h12m13s
